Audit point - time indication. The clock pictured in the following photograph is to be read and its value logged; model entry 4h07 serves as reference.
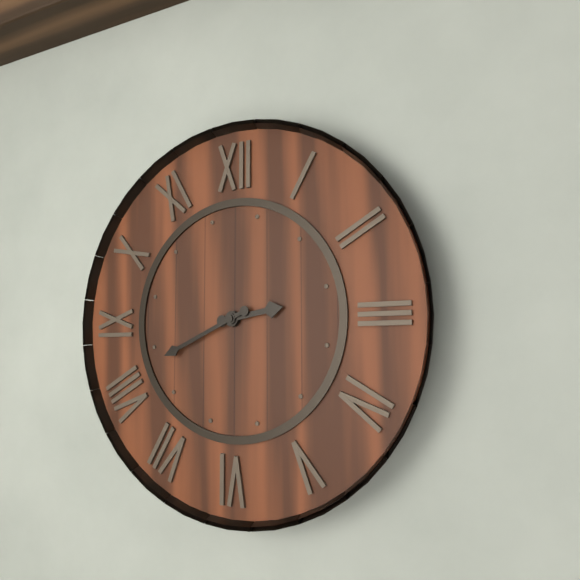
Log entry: 2h41
